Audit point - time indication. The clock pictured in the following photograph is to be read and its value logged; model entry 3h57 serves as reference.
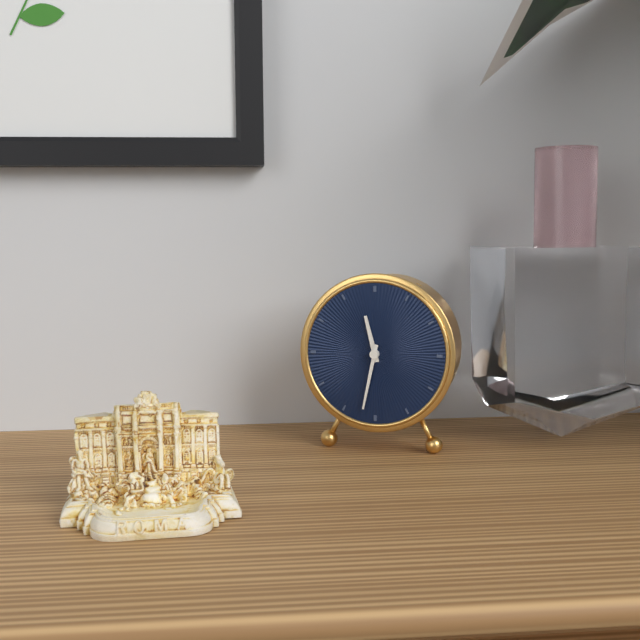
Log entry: 11h32
